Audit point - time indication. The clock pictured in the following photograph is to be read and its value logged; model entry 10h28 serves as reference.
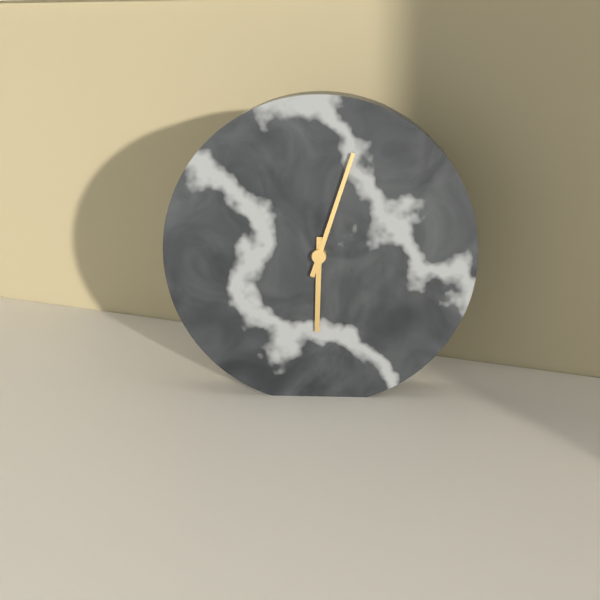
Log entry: 6h03
